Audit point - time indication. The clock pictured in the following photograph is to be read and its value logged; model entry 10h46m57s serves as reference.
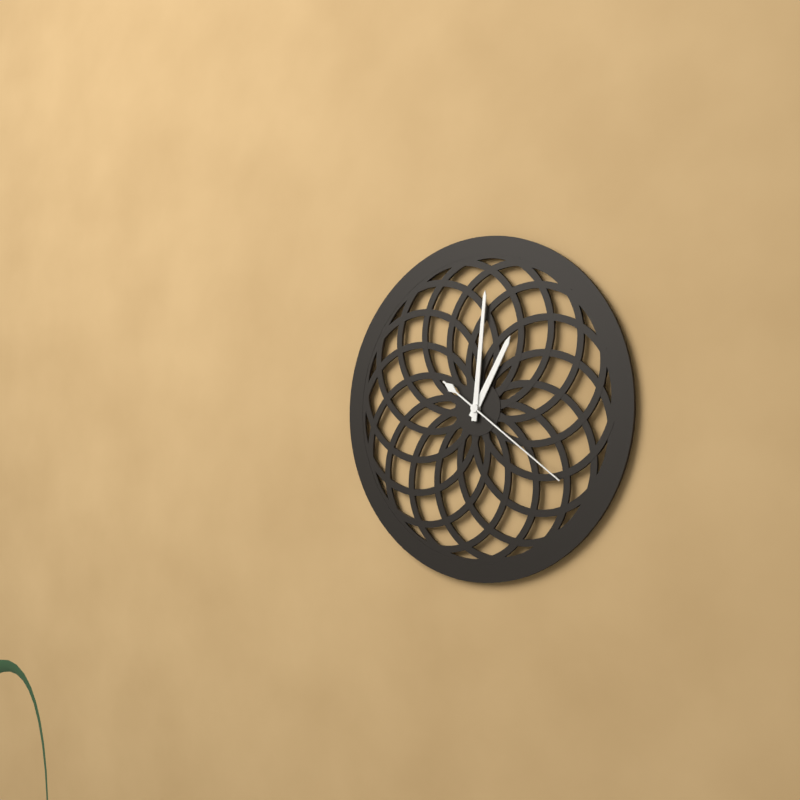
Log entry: 1h01m21s
